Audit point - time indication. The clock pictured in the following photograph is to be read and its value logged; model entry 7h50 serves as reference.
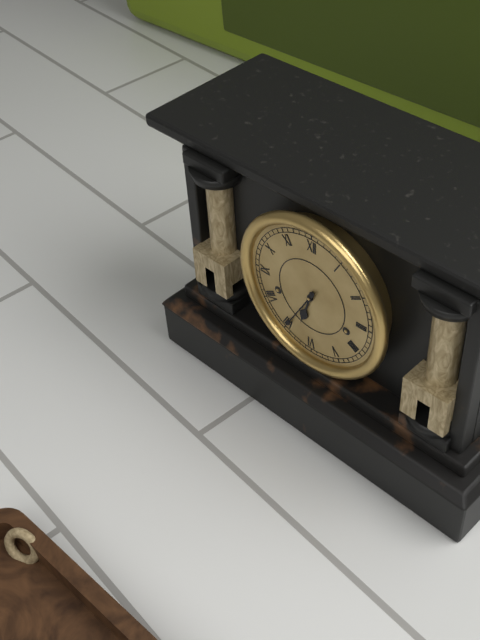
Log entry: 6h35
